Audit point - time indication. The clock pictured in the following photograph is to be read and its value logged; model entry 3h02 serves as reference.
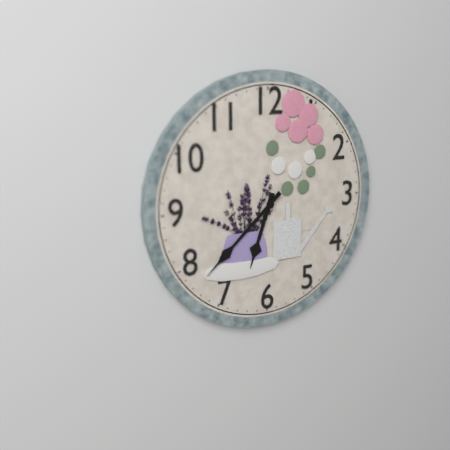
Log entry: 6h38
